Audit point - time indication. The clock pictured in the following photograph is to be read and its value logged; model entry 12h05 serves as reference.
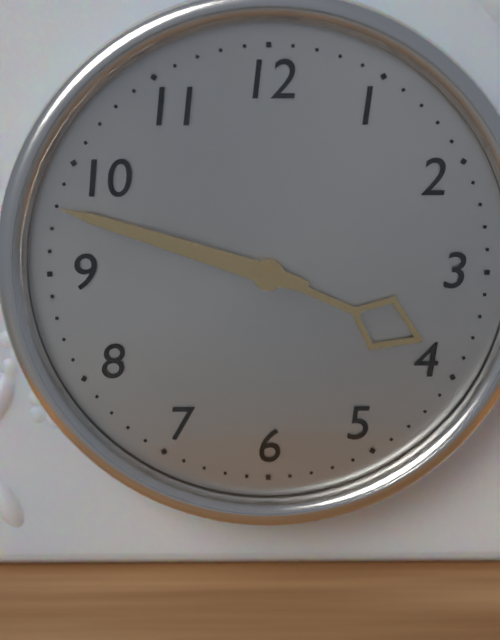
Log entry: 3h48
